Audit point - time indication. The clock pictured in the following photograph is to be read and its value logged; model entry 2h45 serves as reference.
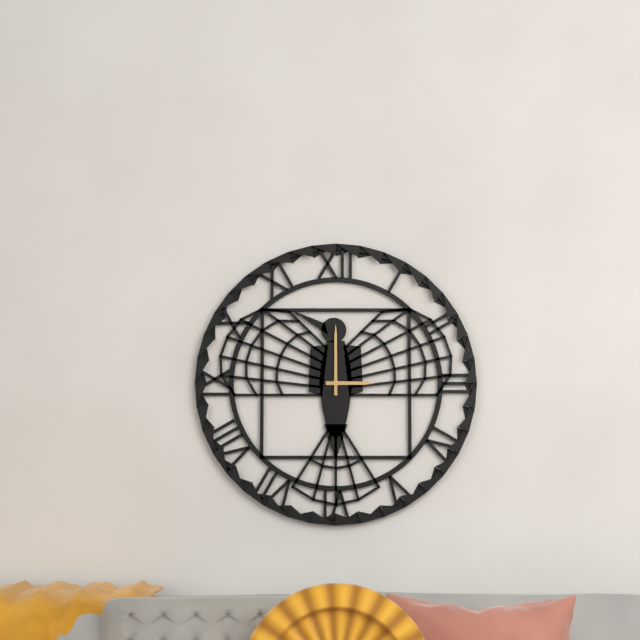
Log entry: 3h00
